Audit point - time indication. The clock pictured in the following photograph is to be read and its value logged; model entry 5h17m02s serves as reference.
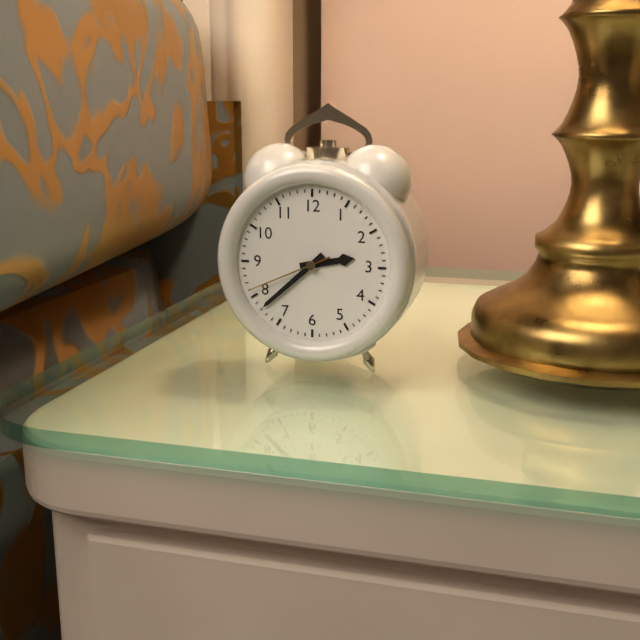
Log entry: 2h38m41s
